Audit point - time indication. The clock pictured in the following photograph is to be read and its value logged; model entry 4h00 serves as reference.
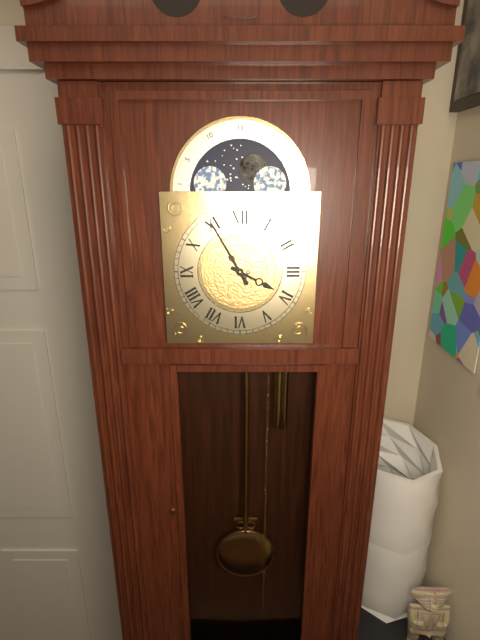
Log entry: 3h55
